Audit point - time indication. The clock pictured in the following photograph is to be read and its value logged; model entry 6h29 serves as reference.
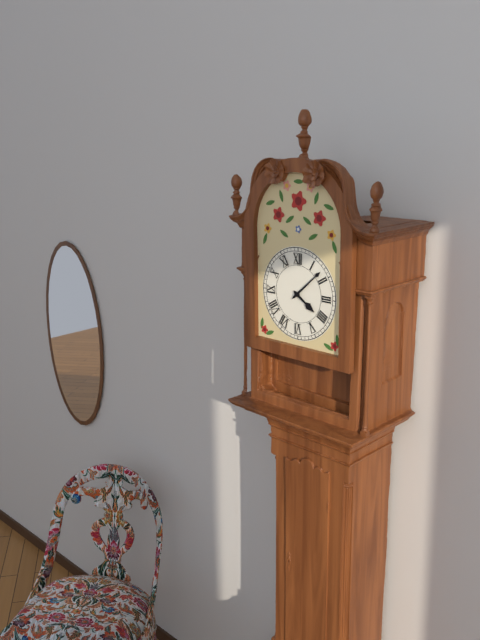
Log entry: 4h08
